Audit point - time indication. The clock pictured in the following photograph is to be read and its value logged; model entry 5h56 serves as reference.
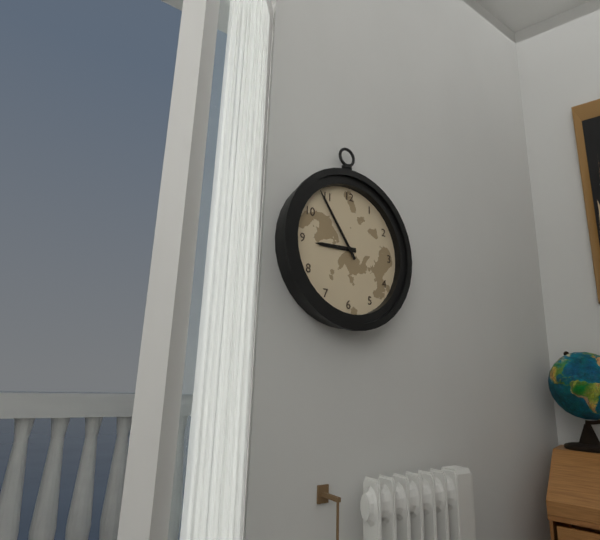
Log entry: 8h54
